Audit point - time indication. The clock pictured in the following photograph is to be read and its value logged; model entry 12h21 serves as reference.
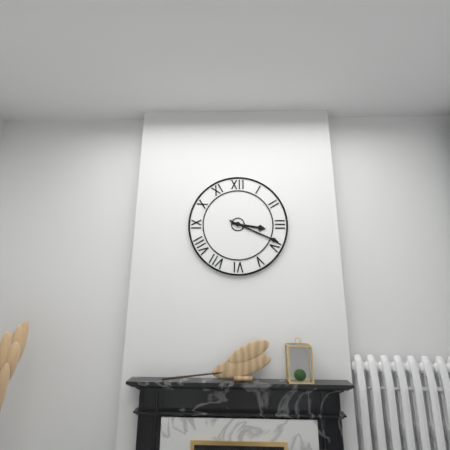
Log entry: 3h19
